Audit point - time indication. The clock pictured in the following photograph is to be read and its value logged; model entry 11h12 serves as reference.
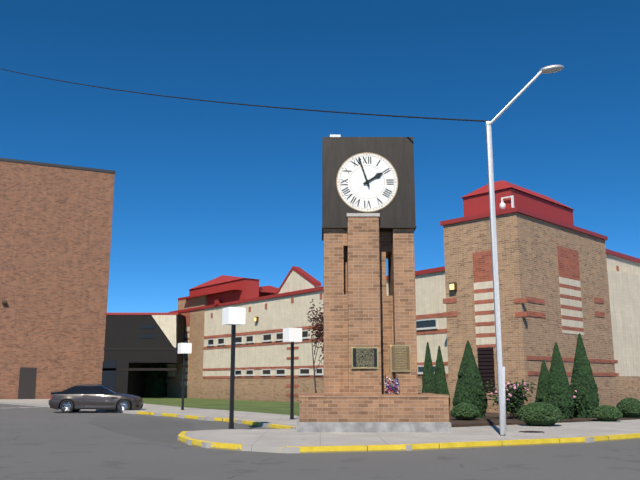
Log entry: 1h57
